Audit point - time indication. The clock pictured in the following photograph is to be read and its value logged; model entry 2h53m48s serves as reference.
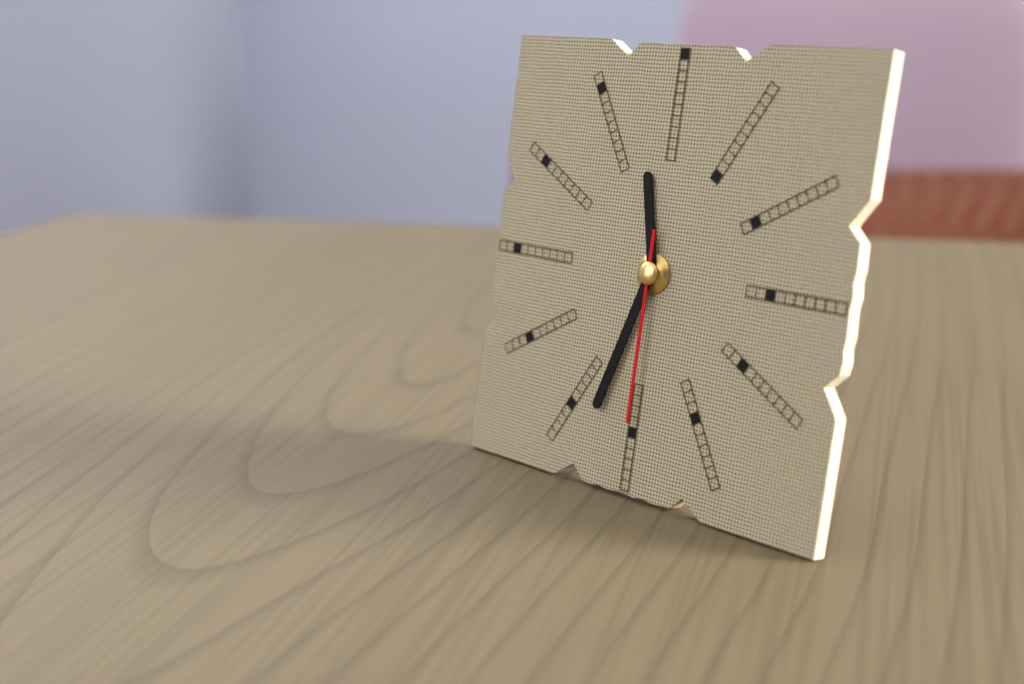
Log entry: 11h33m30s
